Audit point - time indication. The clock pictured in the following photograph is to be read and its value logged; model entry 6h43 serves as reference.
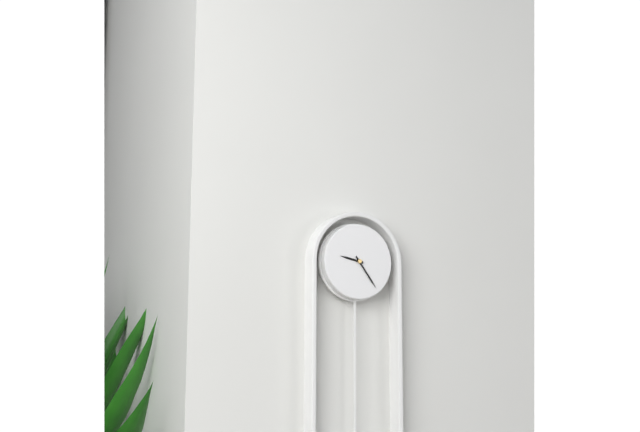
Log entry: 9h24
